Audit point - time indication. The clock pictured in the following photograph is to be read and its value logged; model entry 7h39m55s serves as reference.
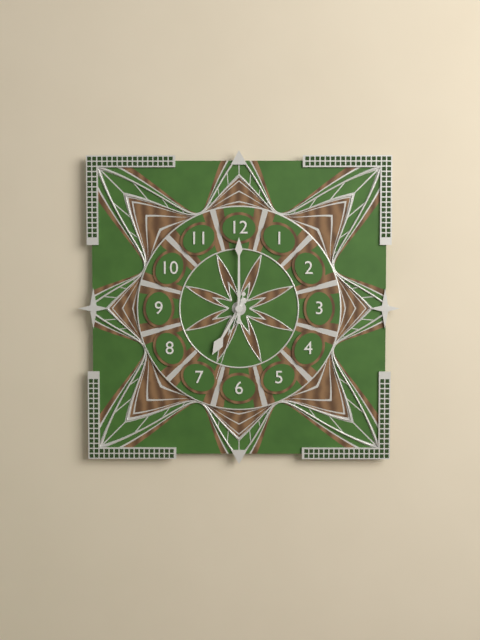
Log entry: 7h00m33s
